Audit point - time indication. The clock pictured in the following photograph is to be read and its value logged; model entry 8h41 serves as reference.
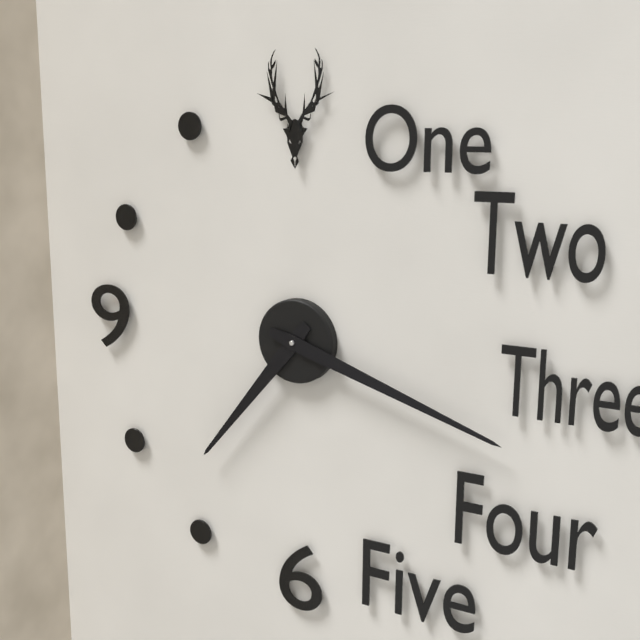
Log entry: 7h18
